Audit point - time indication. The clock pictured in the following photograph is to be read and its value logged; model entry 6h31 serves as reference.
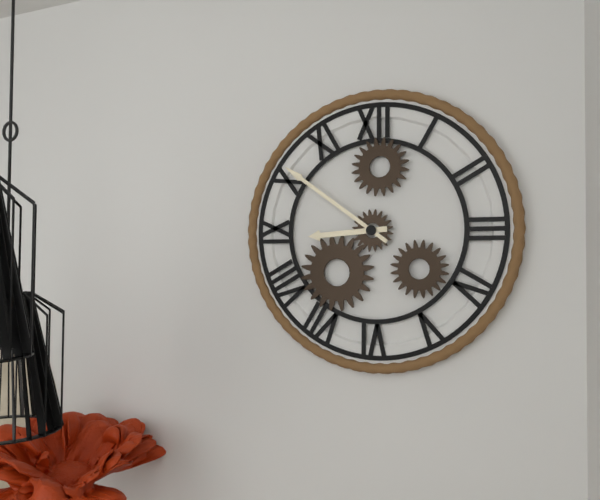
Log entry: 8h51
